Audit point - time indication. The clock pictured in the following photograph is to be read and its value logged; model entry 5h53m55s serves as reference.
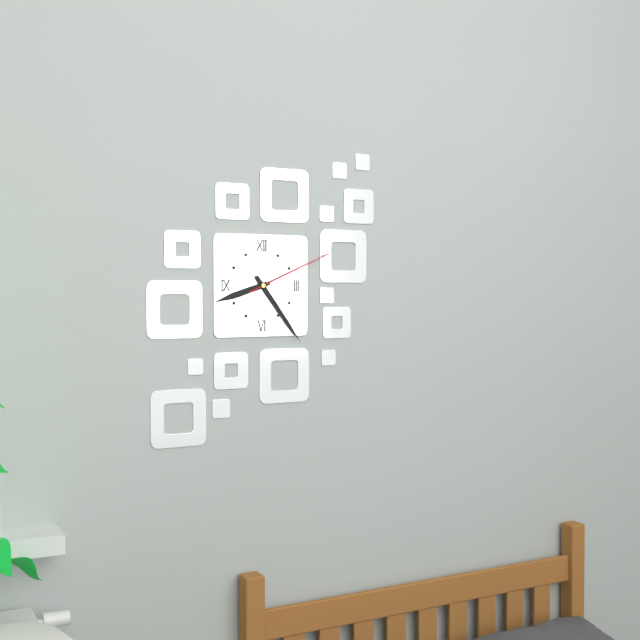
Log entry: 8h24m11s
